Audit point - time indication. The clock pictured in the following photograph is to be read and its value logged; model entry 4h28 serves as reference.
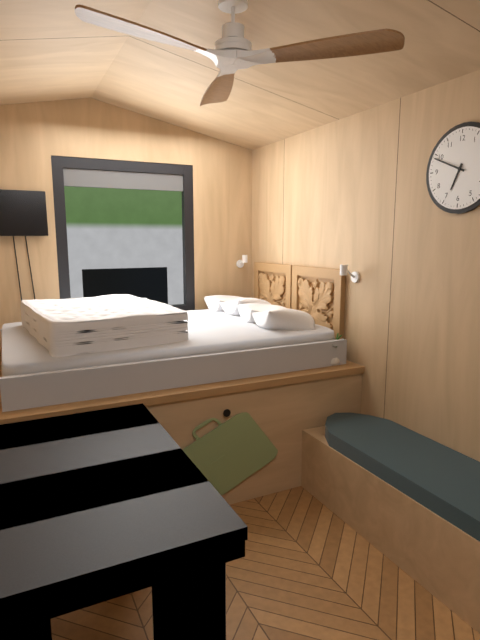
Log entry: 6h49
